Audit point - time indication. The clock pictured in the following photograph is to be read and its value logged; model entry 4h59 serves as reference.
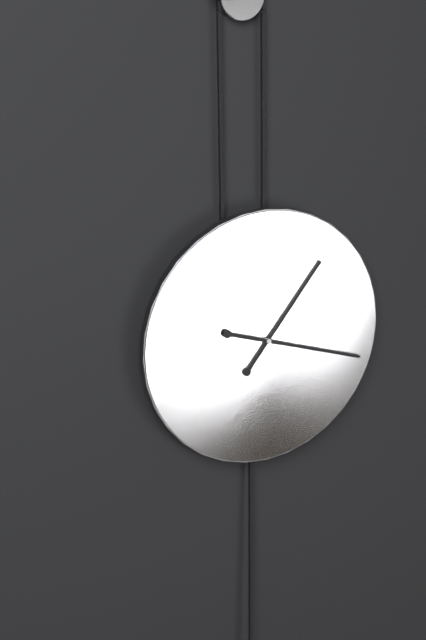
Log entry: 1h18
